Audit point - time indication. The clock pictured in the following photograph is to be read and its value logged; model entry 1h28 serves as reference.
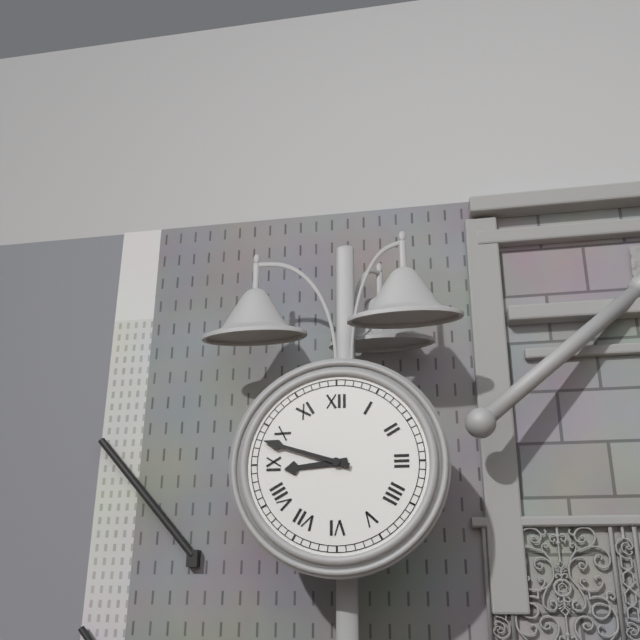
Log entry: 8h48
